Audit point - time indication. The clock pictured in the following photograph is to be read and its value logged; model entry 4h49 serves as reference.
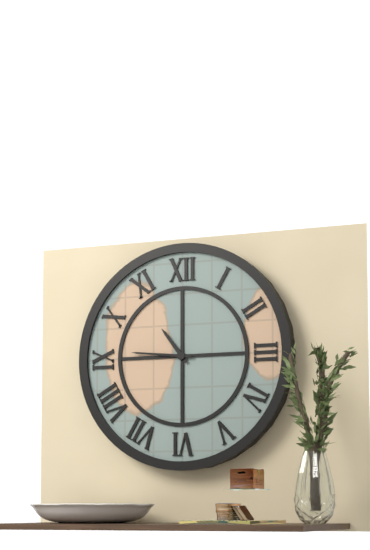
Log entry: 10h46
